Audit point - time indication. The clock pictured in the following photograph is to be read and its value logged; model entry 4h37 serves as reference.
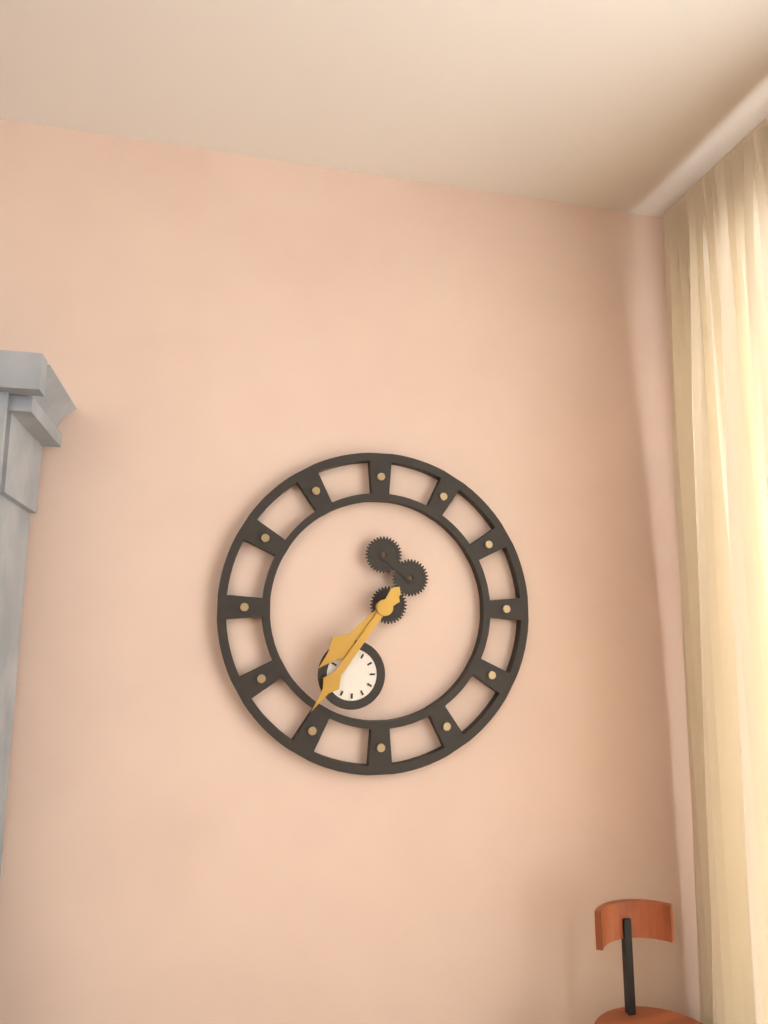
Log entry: 7h36
